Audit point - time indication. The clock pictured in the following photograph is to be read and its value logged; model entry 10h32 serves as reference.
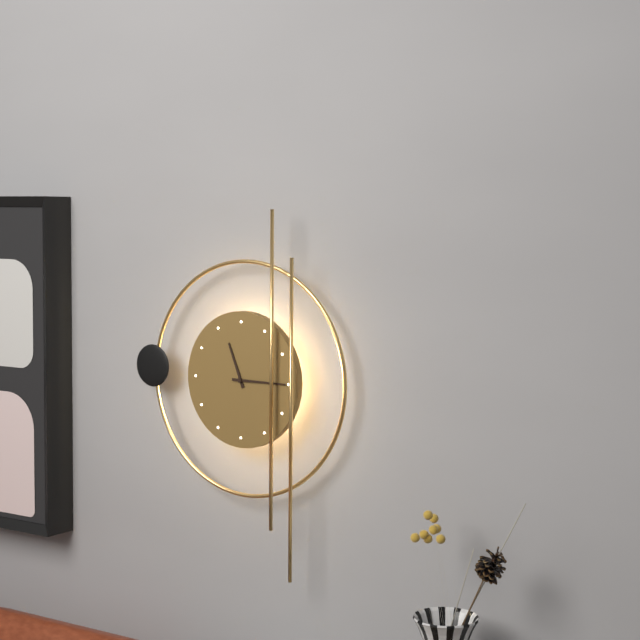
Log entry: 11h15
